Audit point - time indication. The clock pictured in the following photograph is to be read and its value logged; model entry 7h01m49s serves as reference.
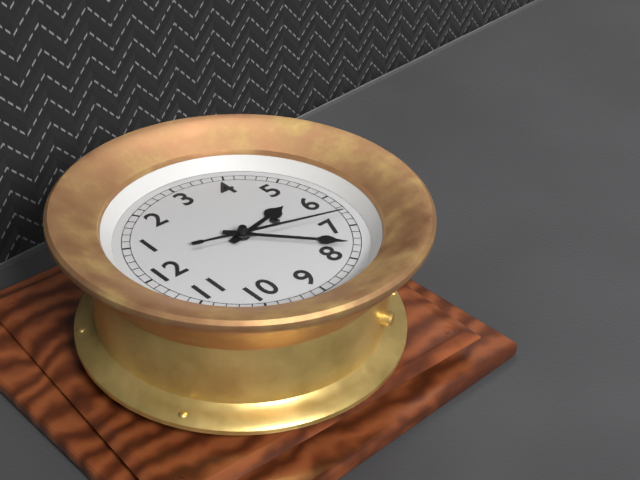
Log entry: 5h38m33s
